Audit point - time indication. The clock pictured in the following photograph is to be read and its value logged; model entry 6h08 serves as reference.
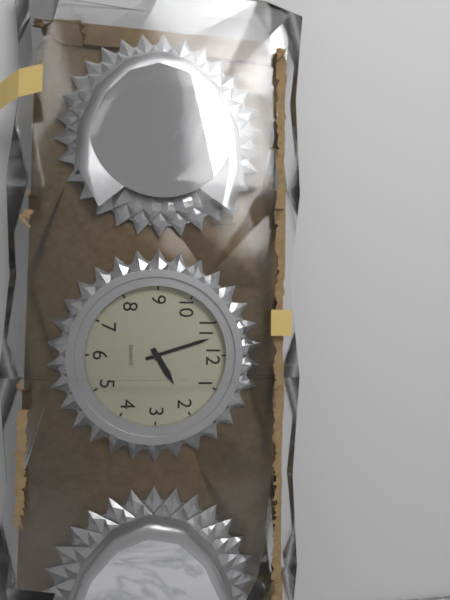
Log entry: 1h57
